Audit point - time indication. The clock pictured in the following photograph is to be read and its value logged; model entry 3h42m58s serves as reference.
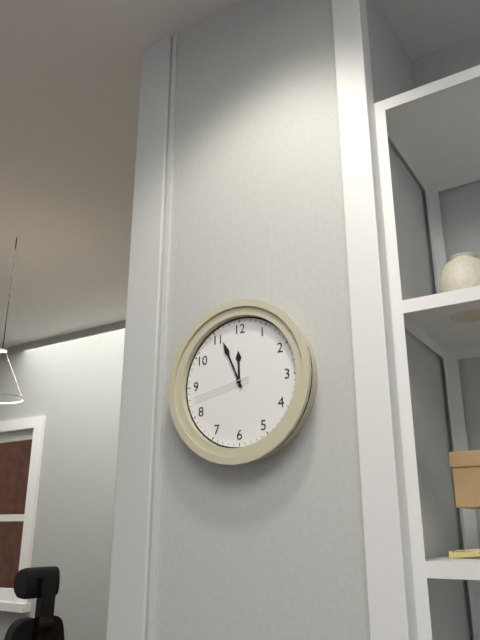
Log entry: 11h56m43s
